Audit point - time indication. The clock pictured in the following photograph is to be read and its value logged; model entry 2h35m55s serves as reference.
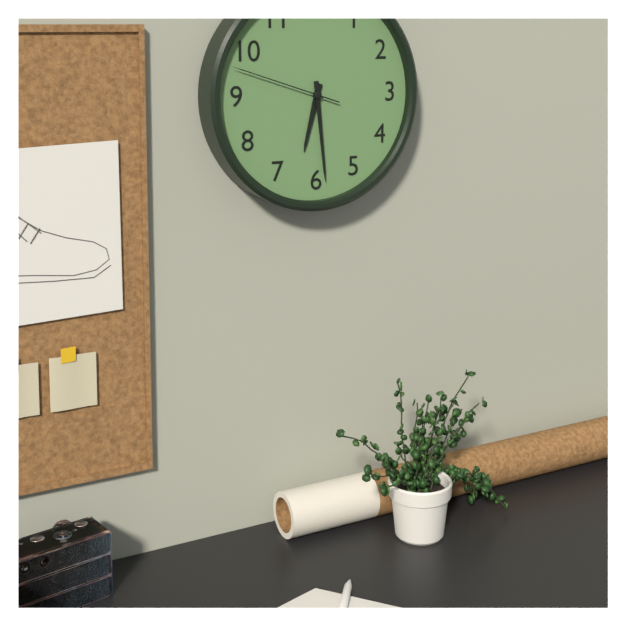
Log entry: 6h29m48s
